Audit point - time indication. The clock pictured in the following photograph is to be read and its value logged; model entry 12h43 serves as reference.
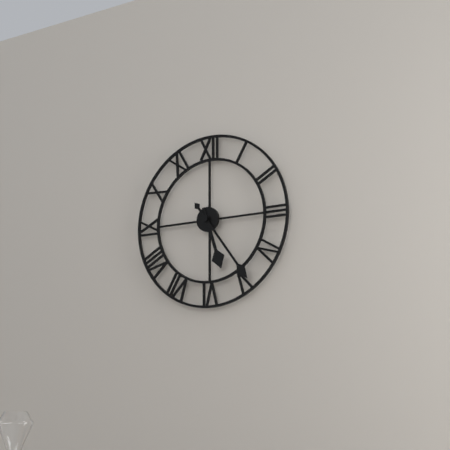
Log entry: 5h24
